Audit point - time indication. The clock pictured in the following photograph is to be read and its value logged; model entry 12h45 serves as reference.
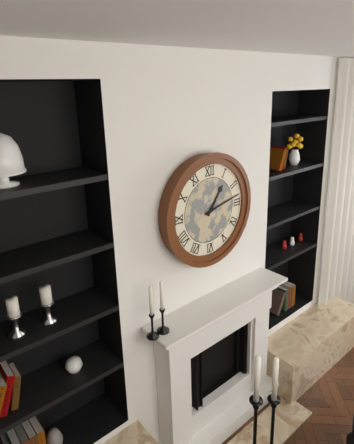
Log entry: 1h13
